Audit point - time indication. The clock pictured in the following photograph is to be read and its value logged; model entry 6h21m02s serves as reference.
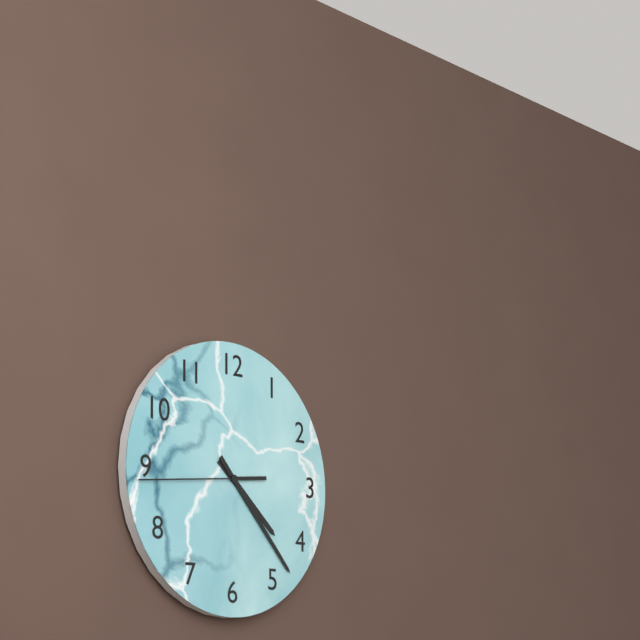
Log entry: 4h23m44s
